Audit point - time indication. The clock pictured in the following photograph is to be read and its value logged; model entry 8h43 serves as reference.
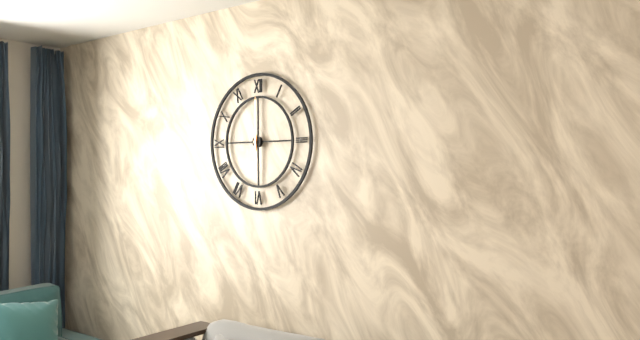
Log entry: 6h00
